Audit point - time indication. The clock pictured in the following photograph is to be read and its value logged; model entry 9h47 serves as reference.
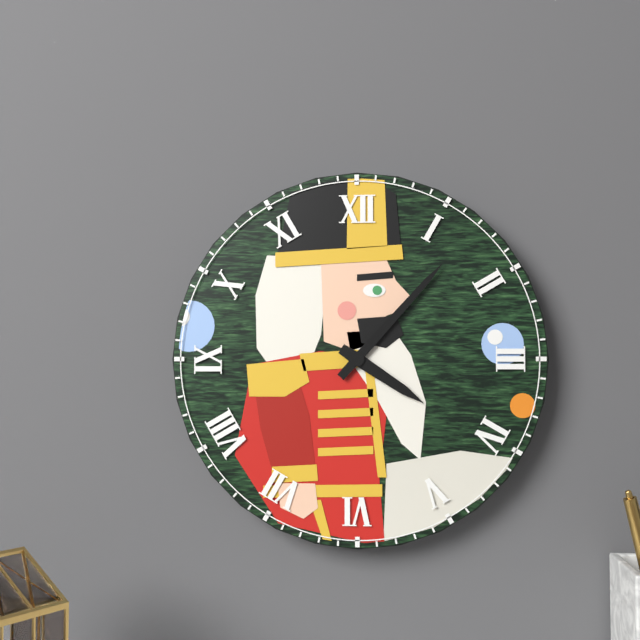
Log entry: 4h07
